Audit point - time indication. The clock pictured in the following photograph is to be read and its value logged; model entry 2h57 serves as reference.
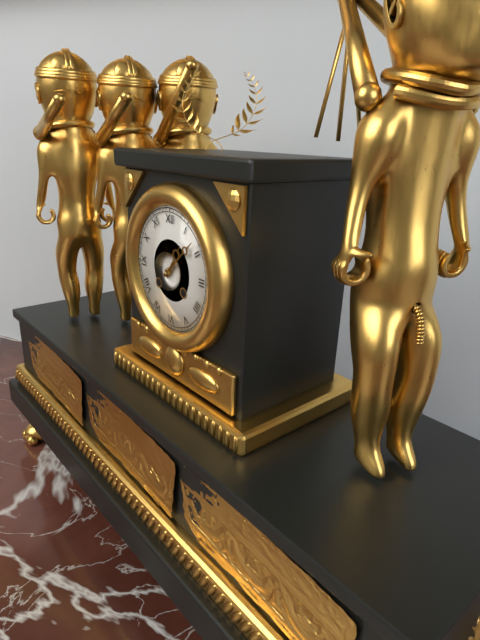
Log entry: 1h08
